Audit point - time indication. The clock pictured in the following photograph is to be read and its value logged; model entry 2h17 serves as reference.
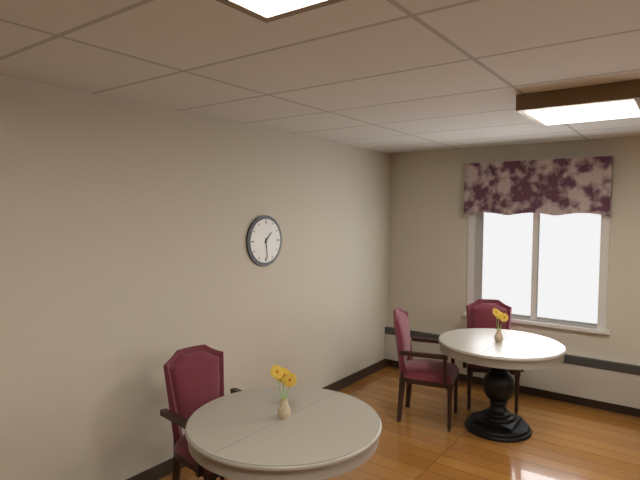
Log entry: 1h29
